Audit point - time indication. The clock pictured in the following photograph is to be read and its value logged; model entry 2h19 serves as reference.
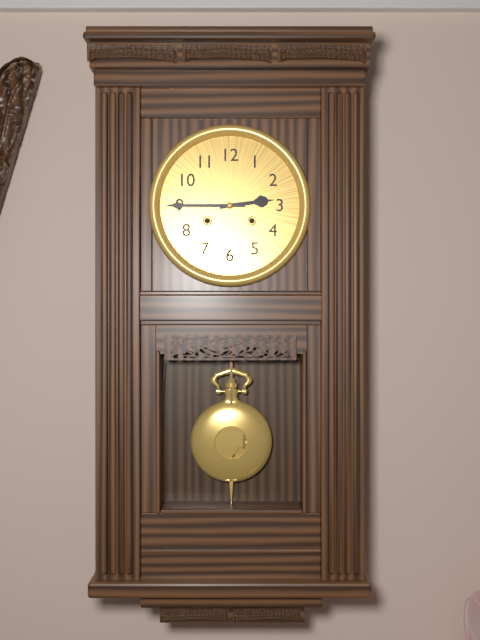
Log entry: 2h45
